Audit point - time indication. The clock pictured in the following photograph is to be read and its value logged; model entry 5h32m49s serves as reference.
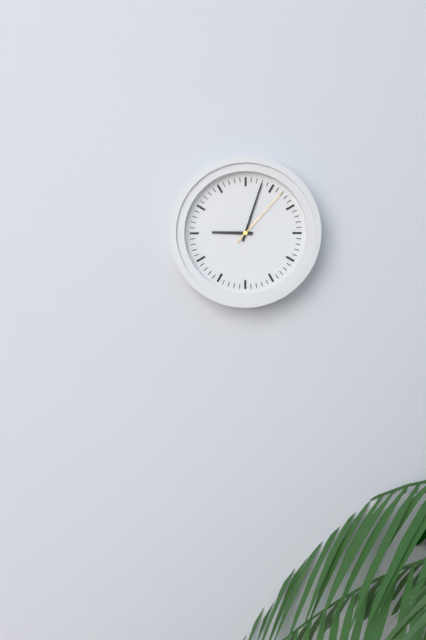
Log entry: 9h03m07s
